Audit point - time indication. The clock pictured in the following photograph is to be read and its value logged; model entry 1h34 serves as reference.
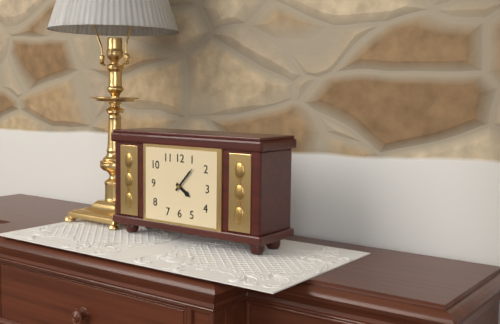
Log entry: 4h07
